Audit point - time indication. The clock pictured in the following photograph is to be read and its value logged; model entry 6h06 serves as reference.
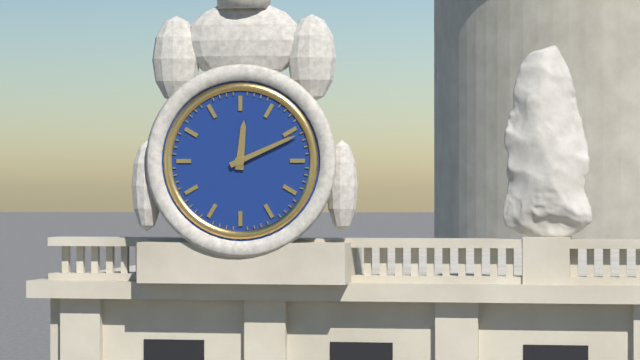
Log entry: 12h11
